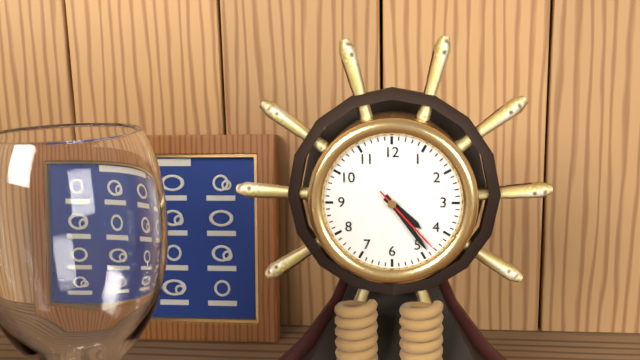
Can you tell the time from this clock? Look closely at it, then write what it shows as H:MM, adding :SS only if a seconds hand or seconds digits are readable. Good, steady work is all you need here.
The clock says 4:24:23
